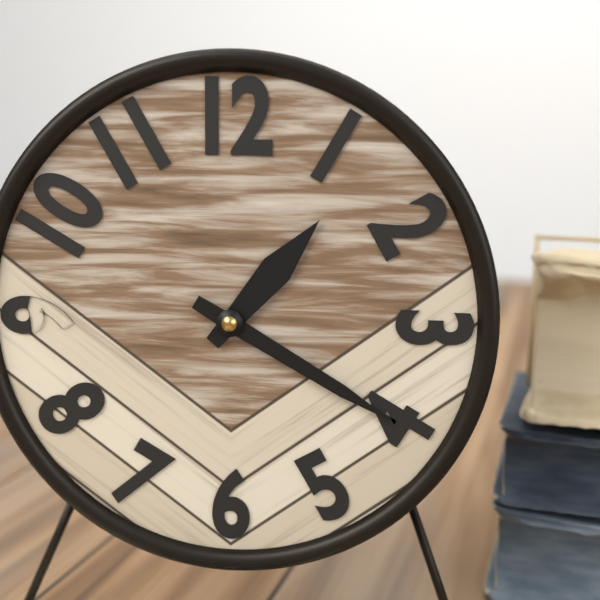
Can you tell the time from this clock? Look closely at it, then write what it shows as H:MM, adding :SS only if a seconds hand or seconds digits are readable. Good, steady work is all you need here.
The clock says 1:20
